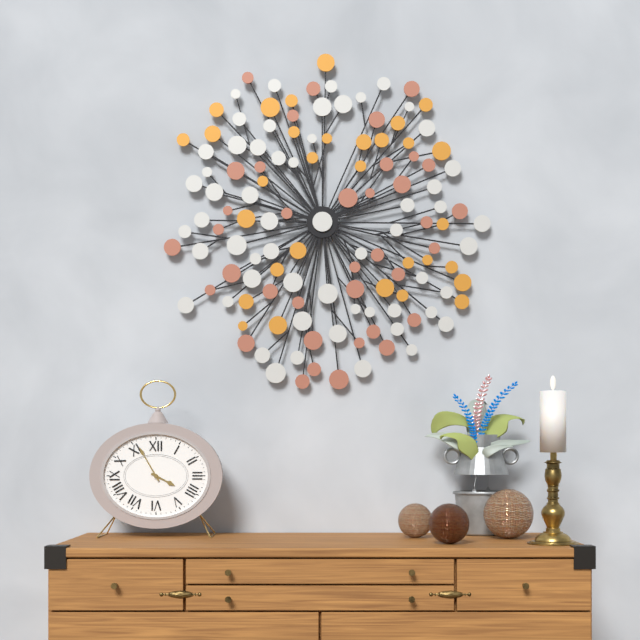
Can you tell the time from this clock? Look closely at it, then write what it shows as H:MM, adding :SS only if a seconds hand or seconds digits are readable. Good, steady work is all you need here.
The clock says 3:55
